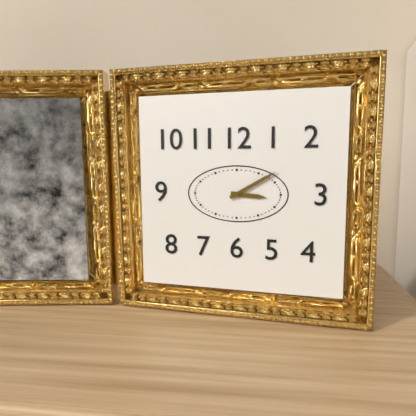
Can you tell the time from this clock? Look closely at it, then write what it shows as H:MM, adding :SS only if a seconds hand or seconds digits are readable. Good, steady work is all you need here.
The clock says 3:10
